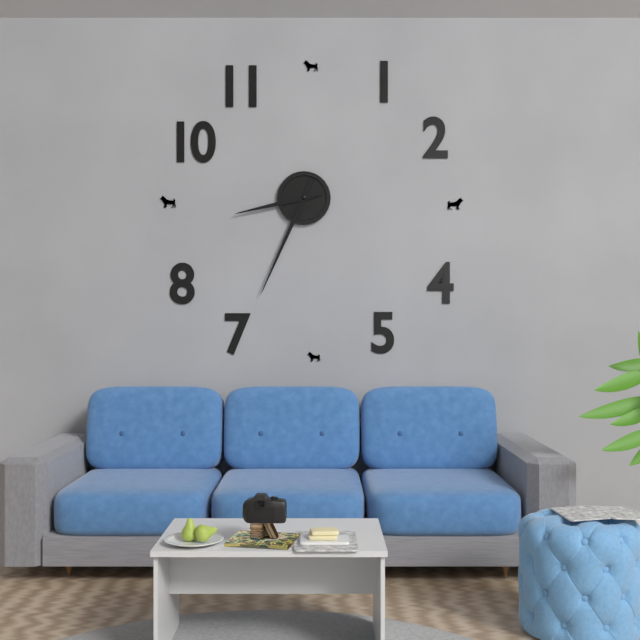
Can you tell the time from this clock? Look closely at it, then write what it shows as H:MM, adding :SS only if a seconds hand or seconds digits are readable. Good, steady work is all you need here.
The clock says 8:34
